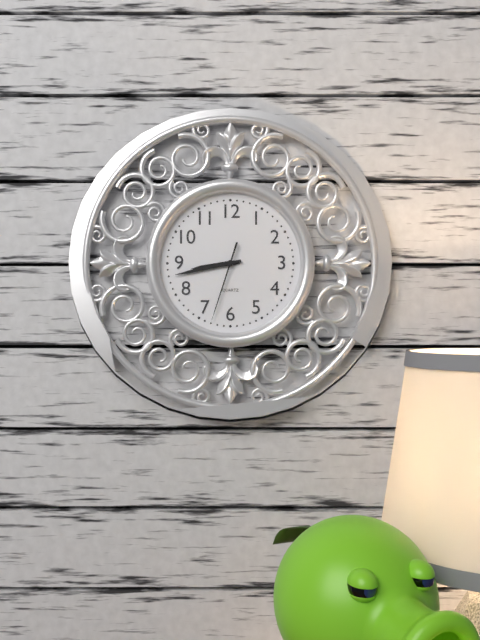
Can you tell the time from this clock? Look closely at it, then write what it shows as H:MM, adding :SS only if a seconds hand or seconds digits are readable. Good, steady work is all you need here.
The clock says 8:43:33
